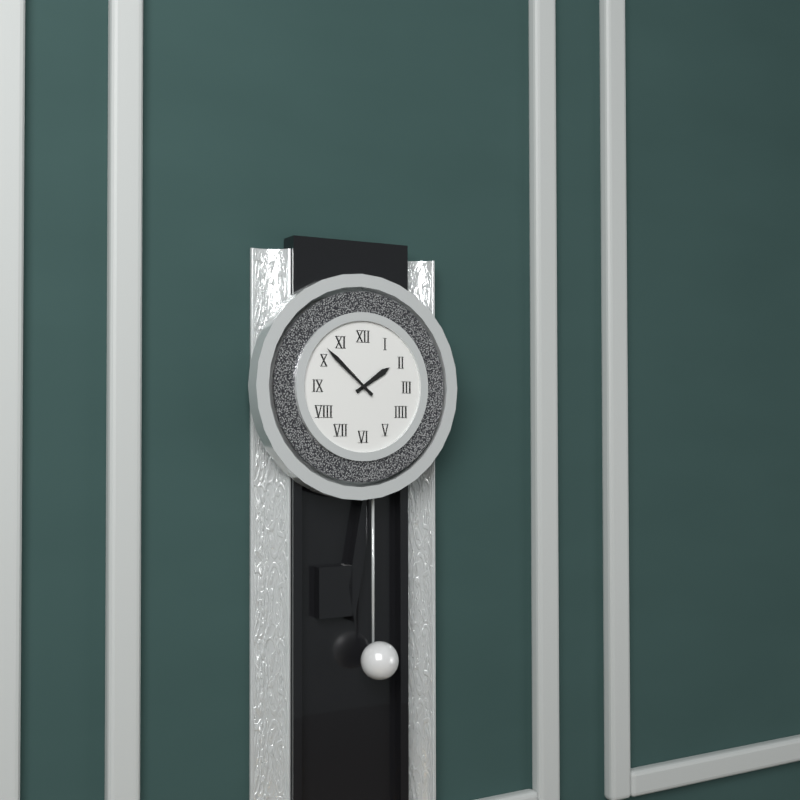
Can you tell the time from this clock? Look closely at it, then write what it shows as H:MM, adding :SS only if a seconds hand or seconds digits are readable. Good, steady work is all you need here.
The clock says 1:52
